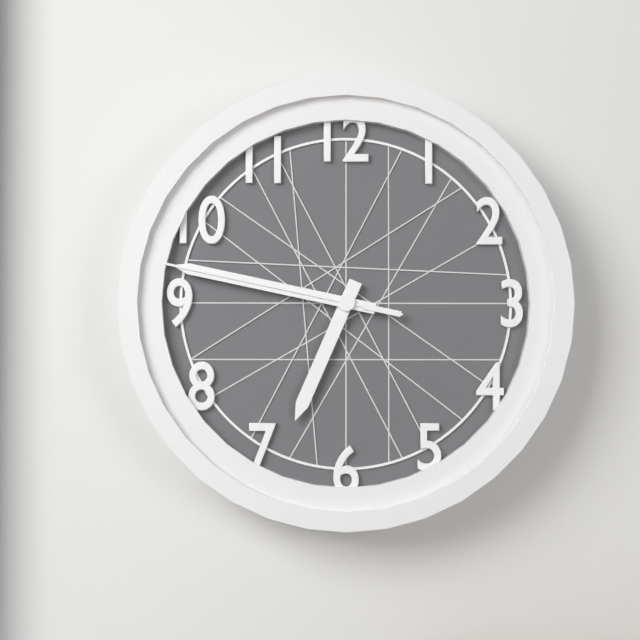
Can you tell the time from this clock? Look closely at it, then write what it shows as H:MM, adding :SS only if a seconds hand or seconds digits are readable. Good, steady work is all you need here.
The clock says 6:47:47
